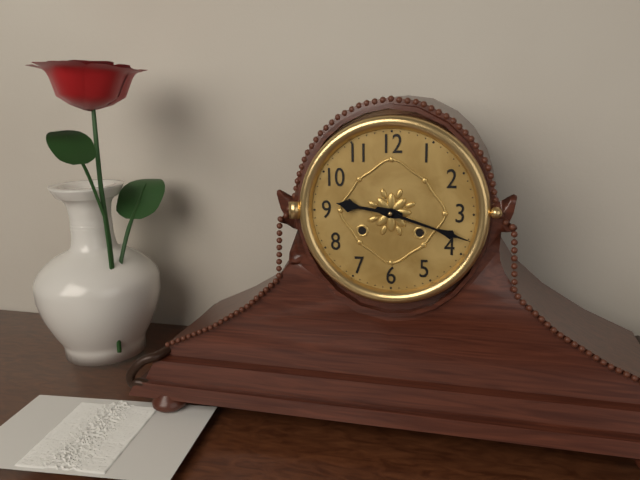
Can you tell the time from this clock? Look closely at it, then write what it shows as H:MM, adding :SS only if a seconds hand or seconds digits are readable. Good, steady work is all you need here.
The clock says 9:18
